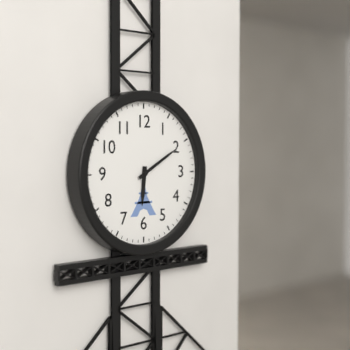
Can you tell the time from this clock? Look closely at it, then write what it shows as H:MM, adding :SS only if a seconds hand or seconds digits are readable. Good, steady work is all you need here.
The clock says 6:10
